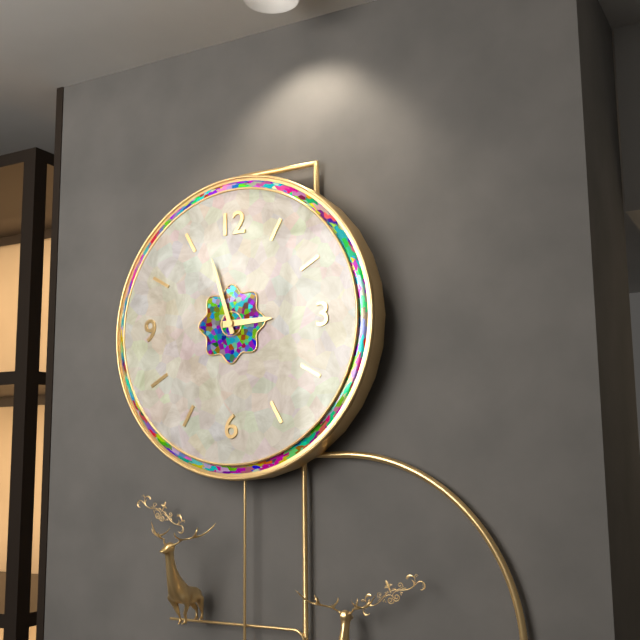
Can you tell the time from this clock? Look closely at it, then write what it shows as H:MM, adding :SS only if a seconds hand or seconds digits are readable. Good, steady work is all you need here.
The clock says 2:57
